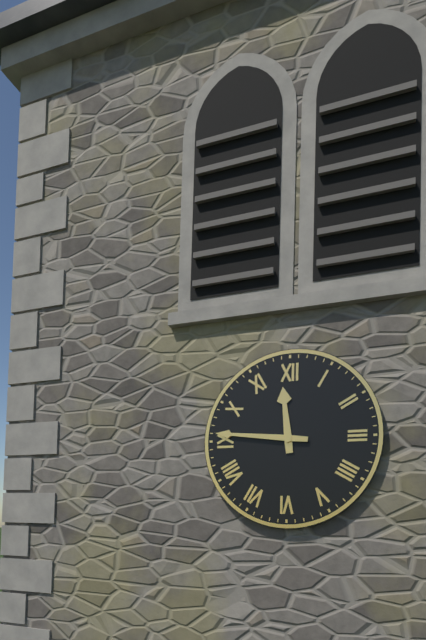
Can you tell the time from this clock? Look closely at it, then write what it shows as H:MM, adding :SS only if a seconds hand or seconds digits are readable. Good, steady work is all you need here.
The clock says 11:46
